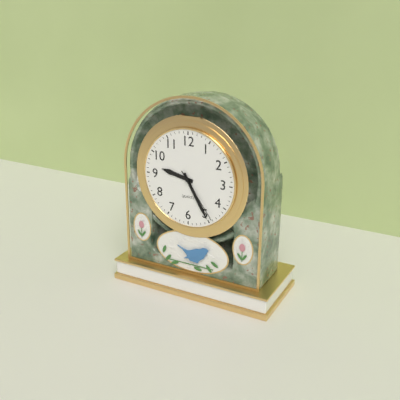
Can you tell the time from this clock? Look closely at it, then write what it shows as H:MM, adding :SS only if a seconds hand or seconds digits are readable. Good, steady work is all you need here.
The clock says 9:25:24
